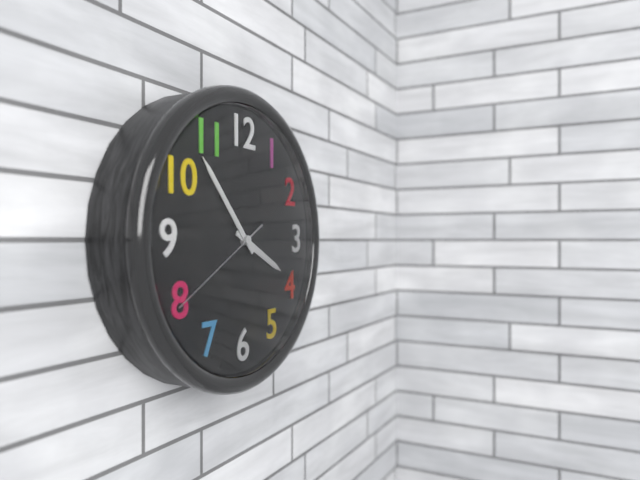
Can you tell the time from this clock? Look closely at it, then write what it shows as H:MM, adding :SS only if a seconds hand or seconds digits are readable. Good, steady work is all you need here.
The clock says 3:53:40
